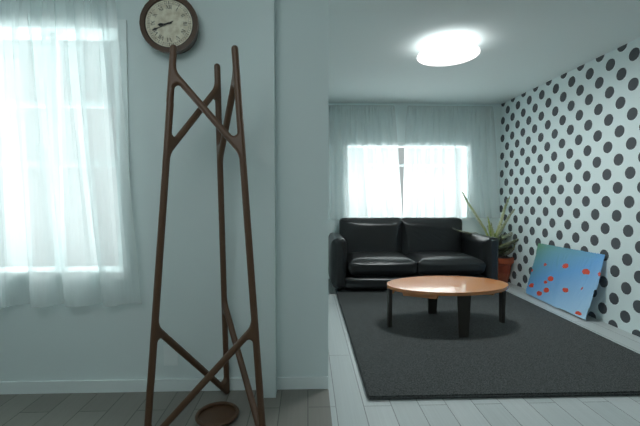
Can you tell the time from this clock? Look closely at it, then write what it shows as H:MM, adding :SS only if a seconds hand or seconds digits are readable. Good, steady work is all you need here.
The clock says 8:41
